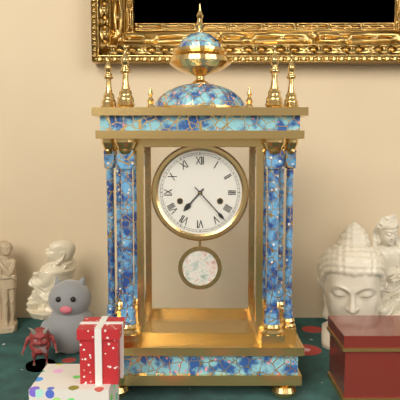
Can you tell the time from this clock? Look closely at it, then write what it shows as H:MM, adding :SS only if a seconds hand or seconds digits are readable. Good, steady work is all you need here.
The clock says 7:23
